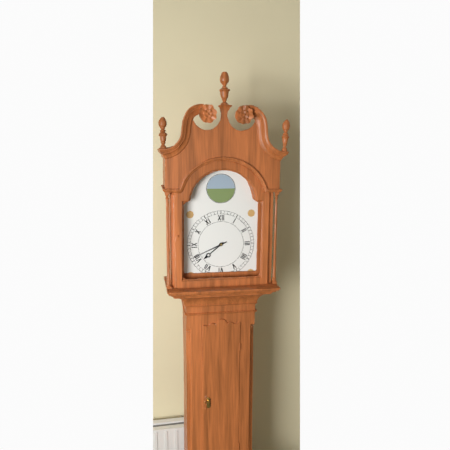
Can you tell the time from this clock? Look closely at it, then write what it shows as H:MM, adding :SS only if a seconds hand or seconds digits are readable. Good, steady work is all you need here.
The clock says 7:41
